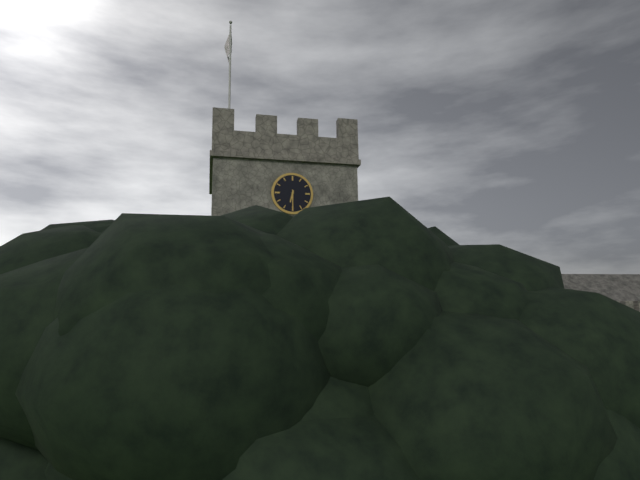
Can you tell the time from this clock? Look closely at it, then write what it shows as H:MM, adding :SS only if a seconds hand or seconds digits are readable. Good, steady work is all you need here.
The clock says 6:30
